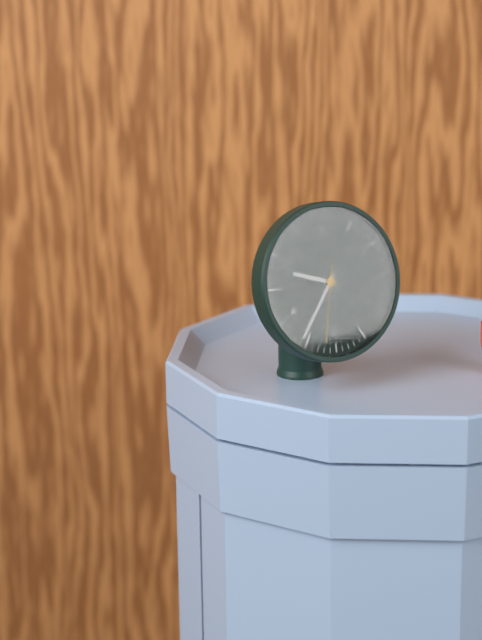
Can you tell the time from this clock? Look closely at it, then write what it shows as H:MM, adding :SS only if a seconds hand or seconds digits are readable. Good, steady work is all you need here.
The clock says 9:36:32
